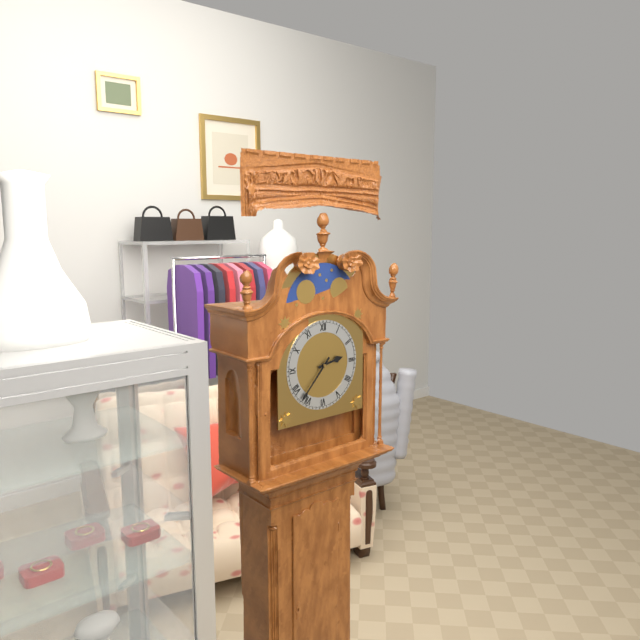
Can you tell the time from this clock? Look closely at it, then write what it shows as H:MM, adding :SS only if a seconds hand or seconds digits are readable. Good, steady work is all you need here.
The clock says 2:37
